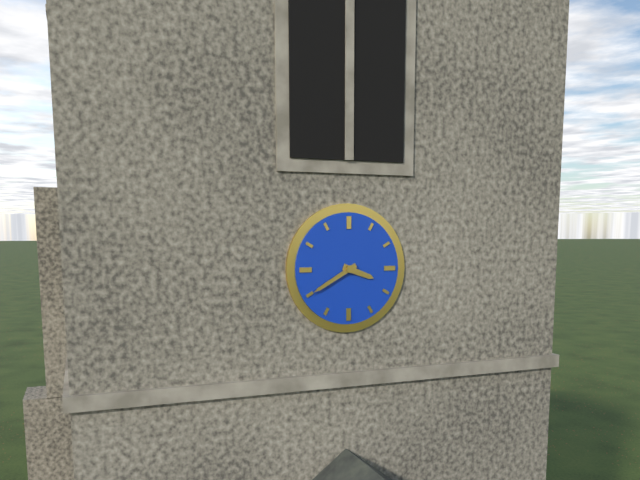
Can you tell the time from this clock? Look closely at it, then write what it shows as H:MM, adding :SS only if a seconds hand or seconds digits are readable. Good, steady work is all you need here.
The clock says 3:40
